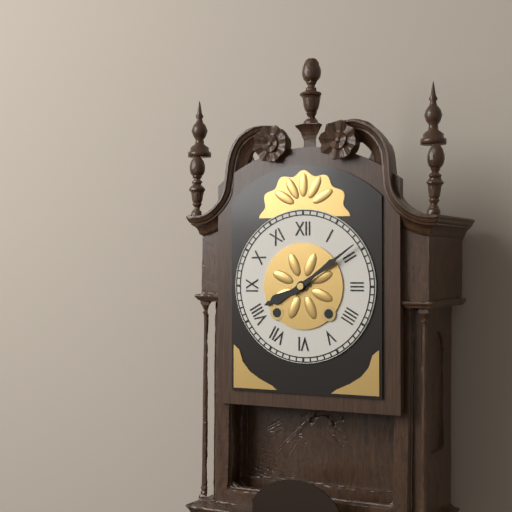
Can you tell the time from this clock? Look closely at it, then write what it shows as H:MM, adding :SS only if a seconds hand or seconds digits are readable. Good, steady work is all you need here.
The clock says 8:09
